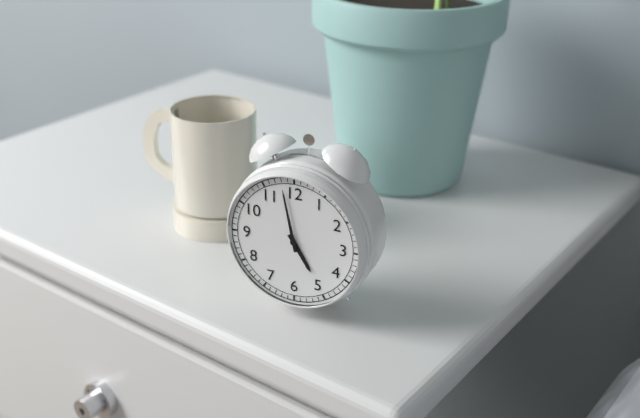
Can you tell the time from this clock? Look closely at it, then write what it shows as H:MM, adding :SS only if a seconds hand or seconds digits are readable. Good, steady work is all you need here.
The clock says 4:58
